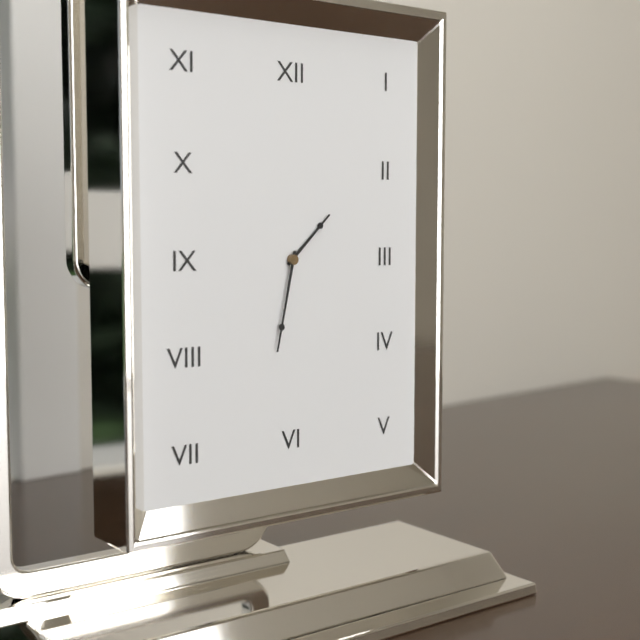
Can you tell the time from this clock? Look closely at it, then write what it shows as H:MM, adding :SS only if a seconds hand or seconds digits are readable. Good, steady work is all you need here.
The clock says 1:32
